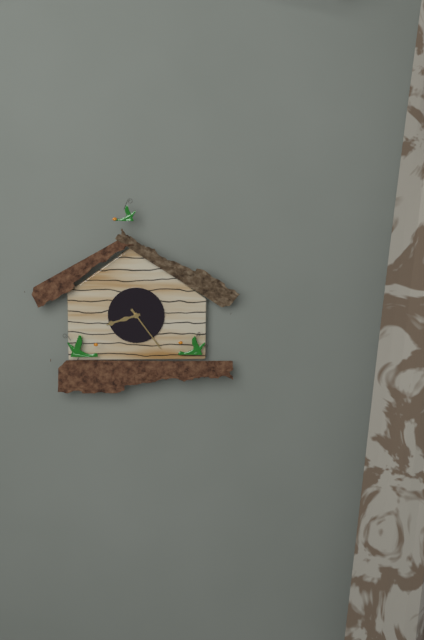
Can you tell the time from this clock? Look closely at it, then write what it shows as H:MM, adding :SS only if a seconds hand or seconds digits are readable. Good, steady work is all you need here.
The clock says 8:24
